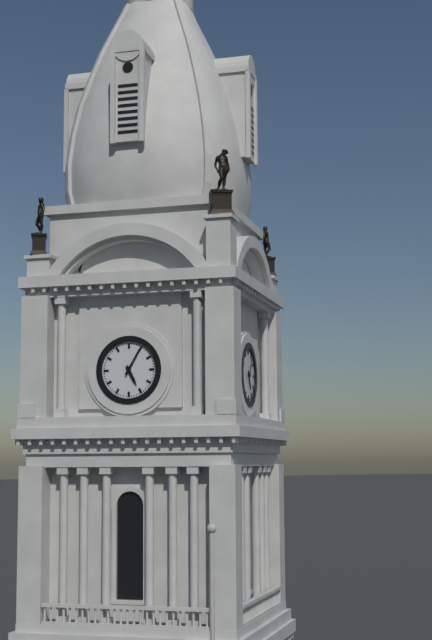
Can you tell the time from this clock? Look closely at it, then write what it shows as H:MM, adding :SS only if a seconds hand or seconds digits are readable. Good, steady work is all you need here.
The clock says 5:05
